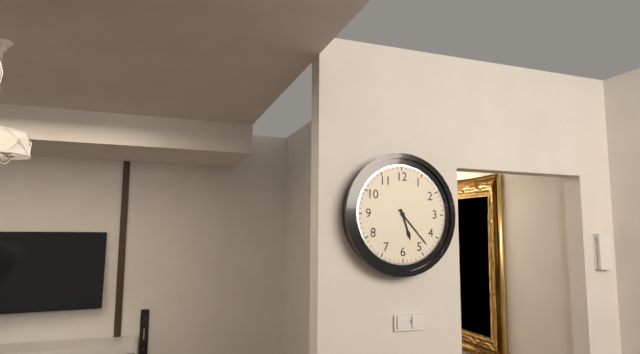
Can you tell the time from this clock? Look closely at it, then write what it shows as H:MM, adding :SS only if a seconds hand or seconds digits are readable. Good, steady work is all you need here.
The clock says 5:23
